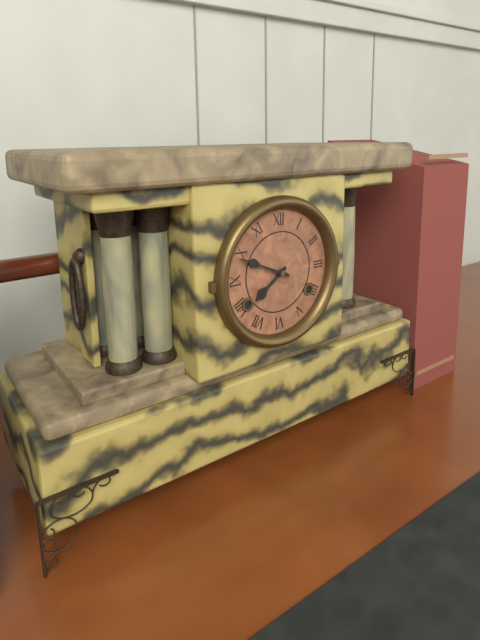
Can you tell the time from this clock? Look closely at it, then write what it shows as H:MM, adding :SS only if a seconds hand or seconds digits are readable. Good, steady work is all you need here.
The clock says 7:49
